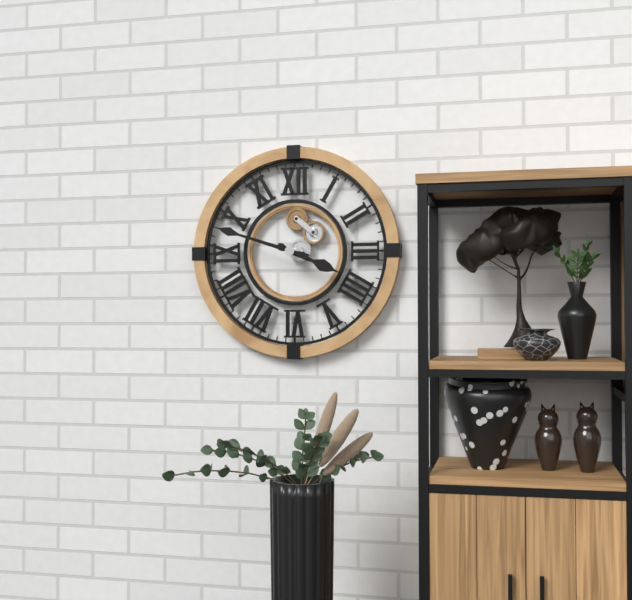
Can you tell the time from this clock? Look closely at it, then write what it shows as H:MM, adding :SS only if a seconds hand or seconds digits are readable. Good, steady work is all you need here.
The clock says 3:48
